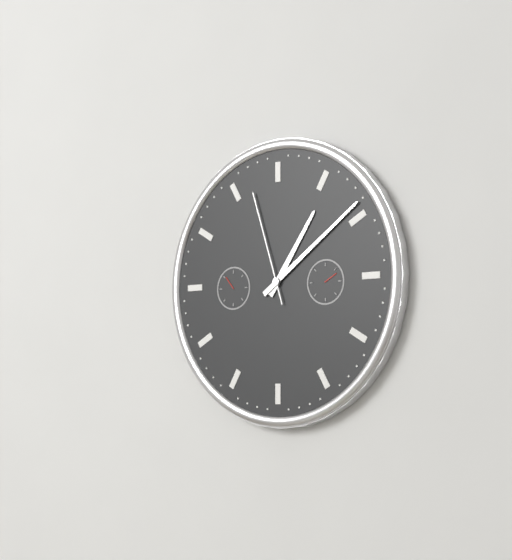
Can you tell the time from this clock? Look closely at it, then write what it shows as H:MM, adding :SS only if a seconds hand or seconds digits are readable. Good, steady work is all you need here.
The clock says 1:09:57
